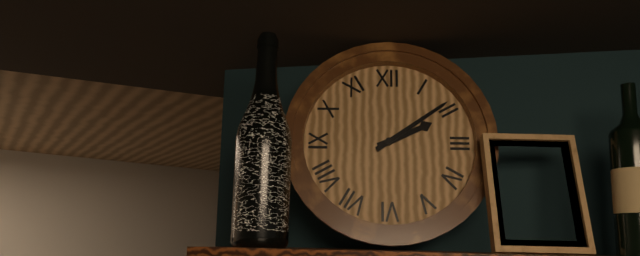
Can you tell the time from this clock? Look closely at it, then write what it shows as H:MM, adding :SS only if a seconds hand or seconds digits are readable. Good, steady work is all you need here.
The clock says 2:09
